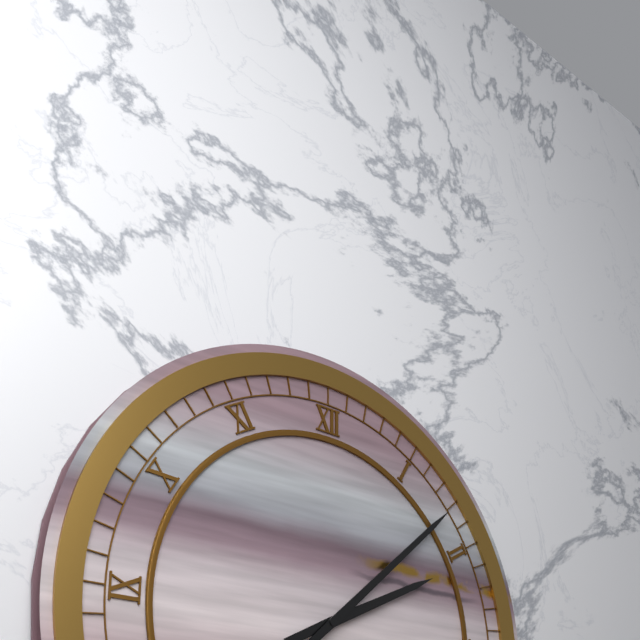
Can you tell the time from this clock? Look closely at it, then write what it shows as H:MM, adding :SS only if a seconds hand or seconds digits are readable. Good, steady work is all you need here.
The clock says 2:08
